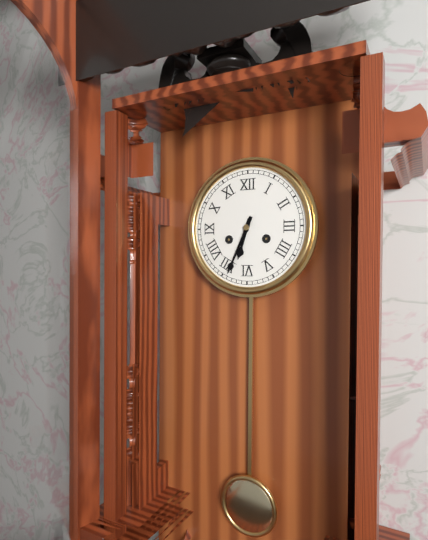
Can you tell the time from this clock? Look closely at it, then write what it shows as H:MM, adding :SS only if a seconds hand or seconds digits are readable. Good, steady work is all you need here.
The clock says 6:34
